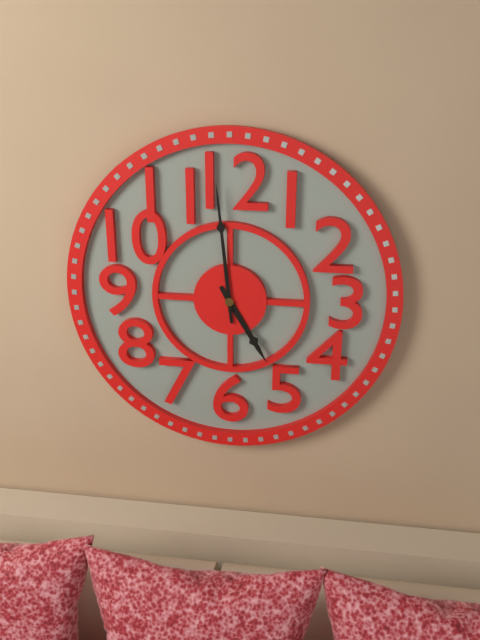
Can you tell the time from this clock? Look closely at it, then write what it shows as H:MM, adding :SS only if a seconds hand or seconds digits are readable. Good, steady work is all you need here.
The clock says 4:59
